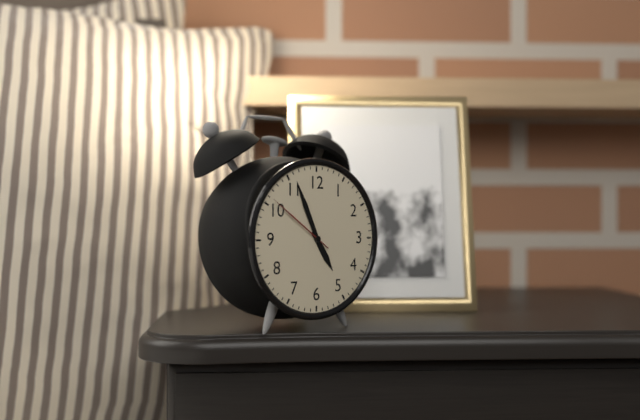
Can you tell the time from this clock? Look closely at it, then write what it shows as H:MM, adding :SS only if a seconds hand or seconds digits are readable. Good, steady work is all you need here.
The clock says 4:56:51
